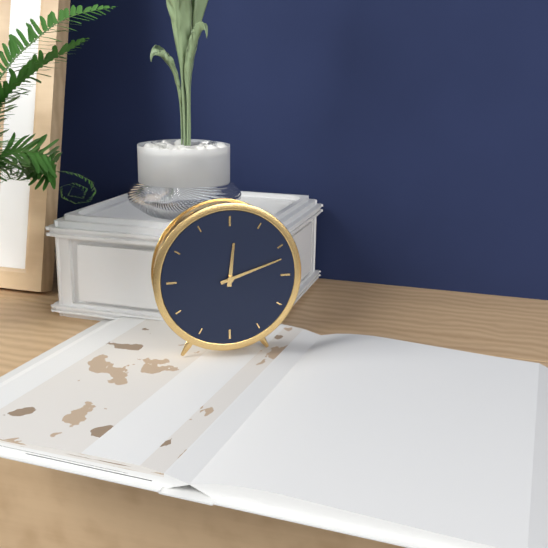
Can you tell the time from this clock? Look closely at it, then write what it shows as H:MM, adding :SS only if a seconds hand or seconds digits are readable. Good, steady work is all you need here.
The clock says 12:12
